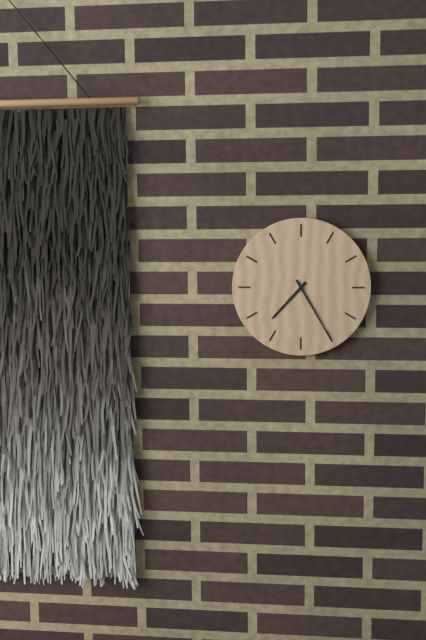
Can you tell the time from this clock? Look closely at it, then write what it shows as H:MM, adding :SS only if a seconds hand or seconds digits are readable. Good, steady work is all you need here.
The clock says 7:25
